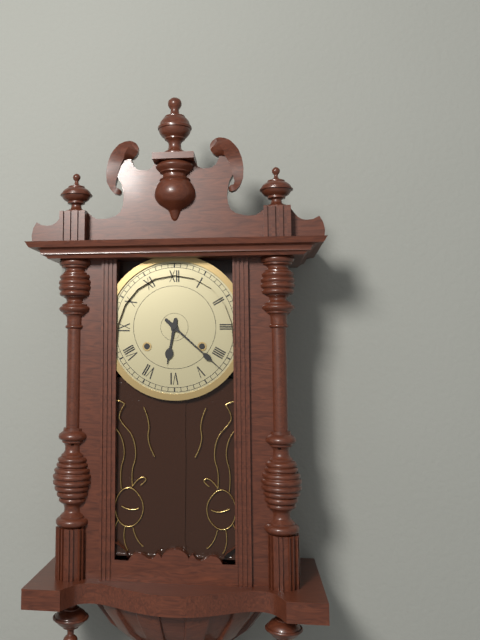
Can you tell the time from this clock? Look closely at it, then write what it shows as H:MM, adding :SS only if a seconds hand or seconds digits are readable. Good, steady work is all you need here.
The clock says 6:22
